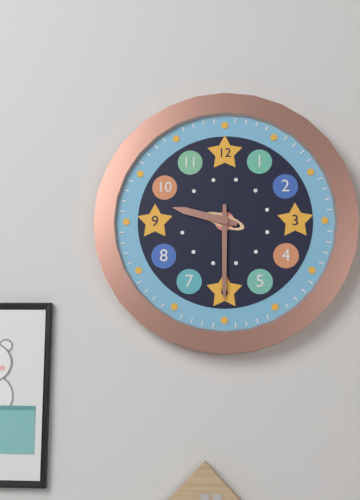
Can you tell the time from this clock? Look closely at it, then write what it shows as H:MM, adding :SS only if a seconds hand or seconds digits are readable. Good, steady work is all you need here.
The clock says 9:30
